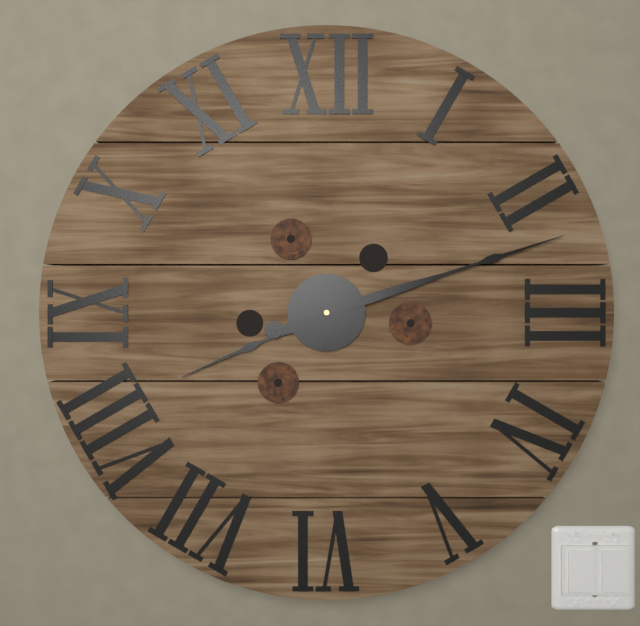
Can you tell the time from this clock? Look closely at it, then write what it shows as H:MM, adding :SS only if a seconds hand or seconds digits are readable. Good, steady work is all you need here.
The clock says 8:12
